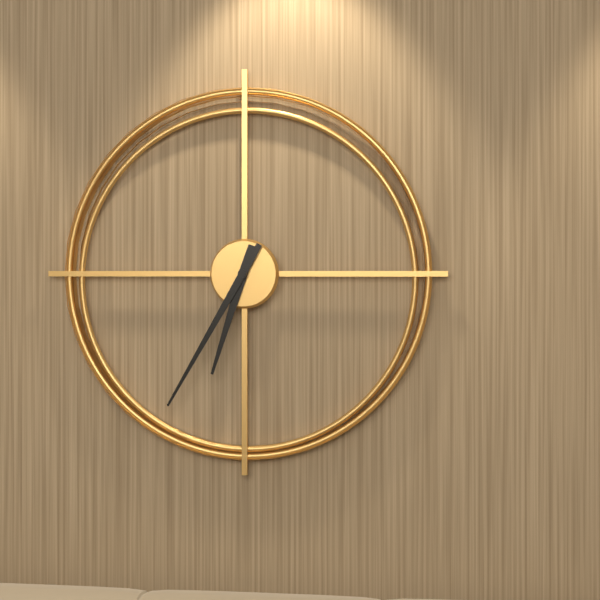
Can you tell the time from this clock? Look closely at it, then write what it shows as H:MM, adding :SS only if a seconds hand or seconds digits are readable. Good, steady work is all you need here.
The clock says 6:35
